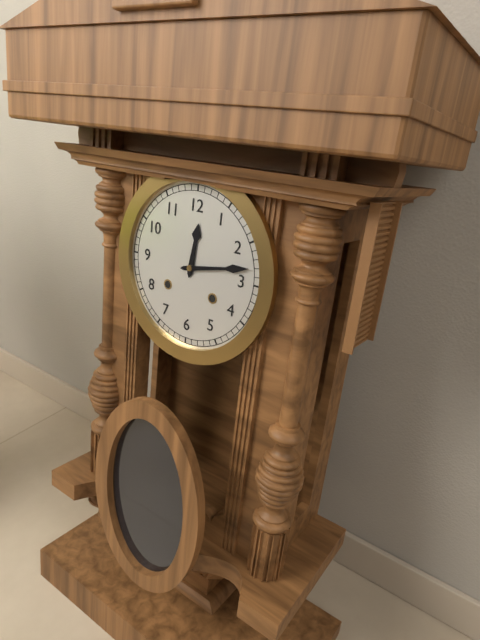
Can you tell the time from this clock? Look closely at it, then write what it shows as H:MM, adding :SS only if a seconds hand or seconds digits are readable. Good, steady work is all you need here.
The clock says 12:13
